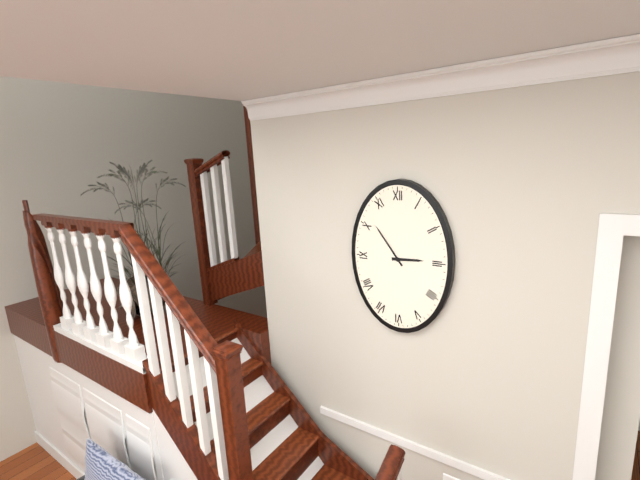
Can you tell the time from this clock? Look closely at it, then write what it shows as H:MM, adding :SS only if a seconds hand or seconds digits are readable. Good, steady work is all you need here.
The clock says 2:54
